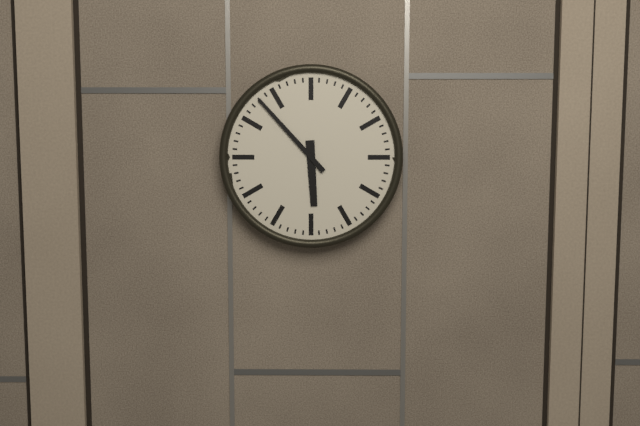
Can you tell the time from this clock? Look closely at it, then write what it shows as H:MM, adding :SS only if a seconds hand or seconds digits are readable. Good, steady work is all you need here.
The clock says 5:53
